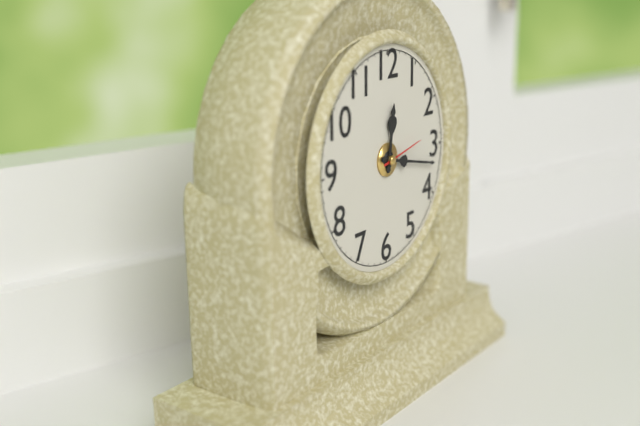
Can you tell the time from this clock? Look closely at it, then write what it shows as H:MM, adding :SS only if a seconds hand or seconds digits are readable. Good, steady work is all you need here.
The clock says 12:17
